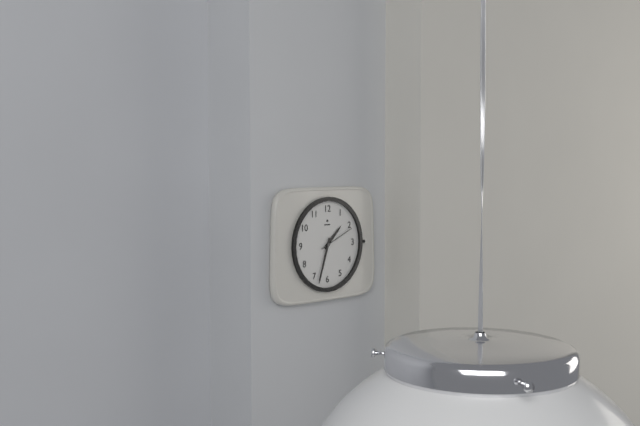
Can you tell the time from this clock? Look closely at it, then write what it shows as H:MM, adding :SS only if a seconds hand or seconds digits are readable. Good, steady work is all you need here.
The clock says 1:33
